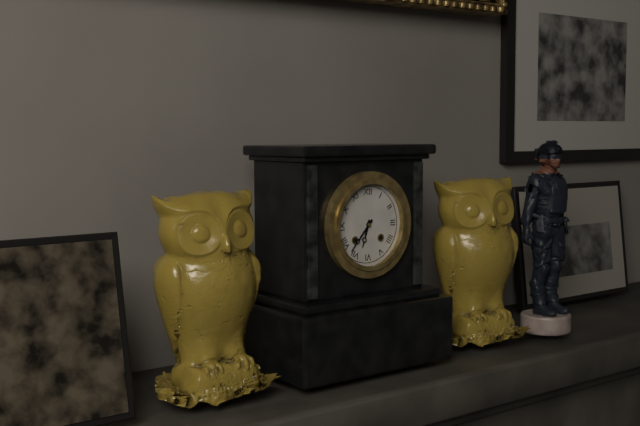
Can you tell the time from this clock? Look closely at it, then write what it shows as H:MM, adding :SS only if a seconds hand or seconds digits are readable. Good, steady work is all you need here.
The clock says 6:37
